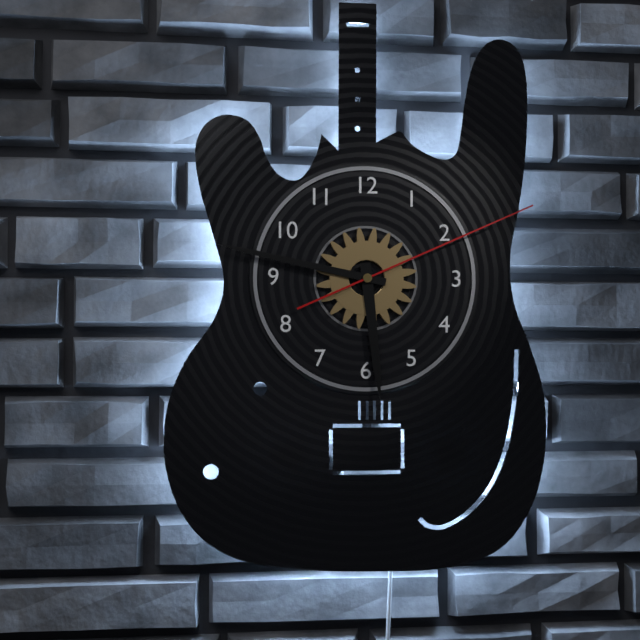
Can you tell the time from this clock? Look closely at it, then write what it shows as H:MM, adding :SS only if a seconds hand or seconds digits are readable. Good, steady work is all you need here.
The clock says 5:47:11
